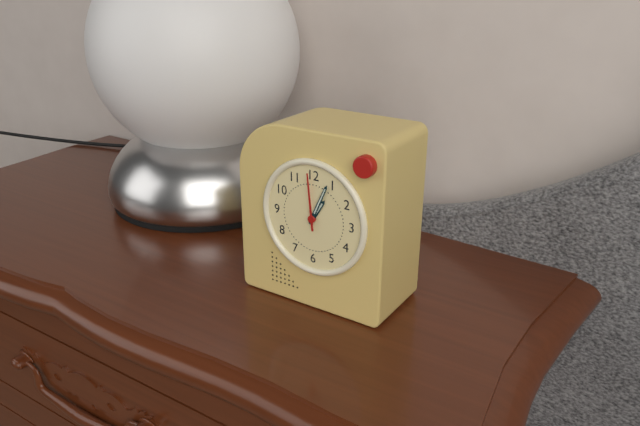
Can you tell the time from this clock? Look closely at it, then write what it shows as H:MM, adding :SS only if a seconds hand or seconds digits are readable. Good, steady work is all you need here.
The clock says 1:04:59
